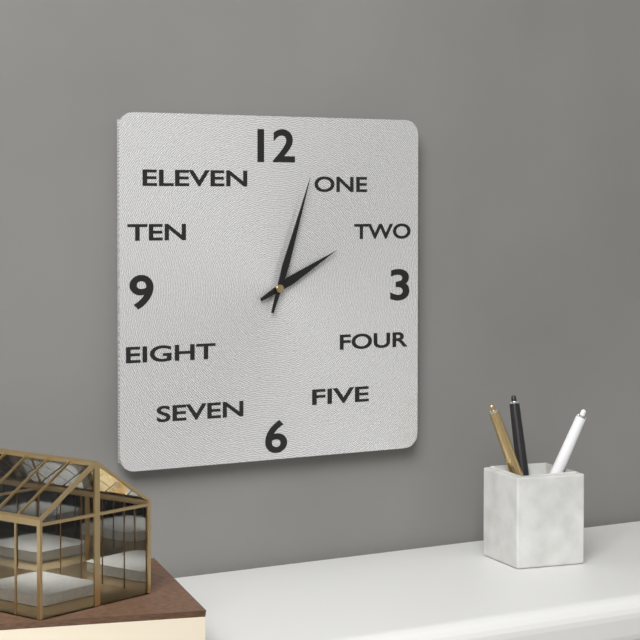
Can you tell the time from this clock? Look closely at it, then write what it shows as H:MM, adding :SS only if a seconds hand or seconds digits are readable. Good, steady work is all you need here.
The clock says 2:03
